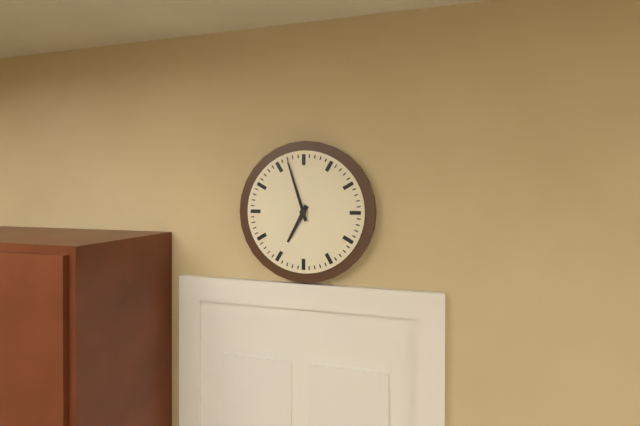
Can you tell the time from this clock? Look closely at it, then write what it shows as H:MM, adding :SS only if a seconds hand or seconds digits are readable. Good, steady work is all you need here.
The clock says 6:57
